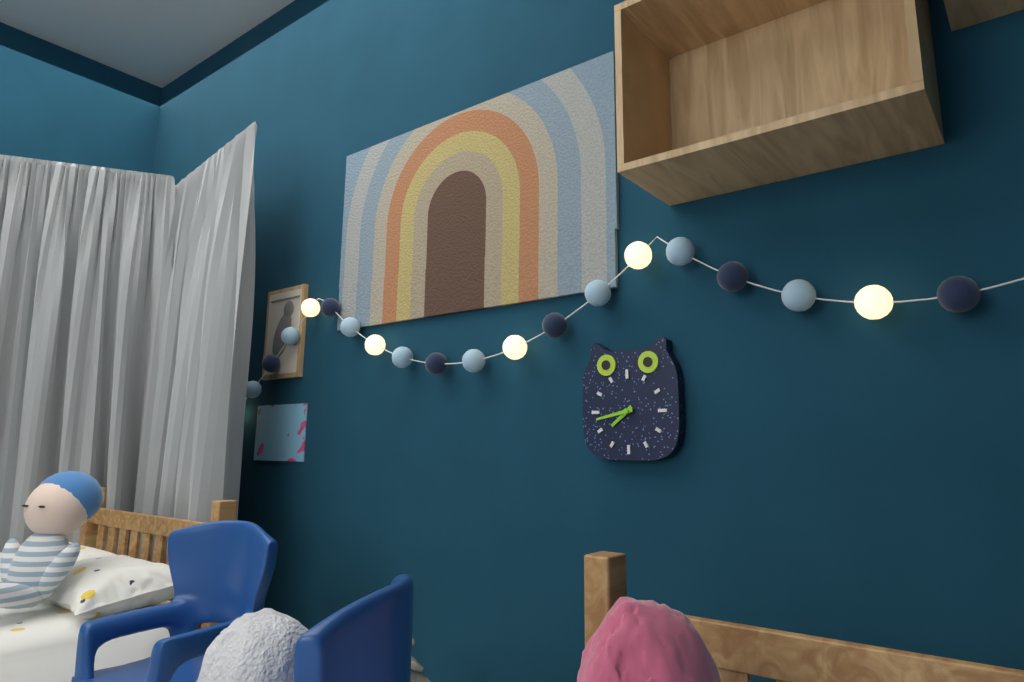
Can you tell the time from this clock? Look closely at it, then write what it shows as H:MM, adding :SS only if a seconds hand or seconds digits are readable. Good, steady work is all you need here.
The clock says 7:43
